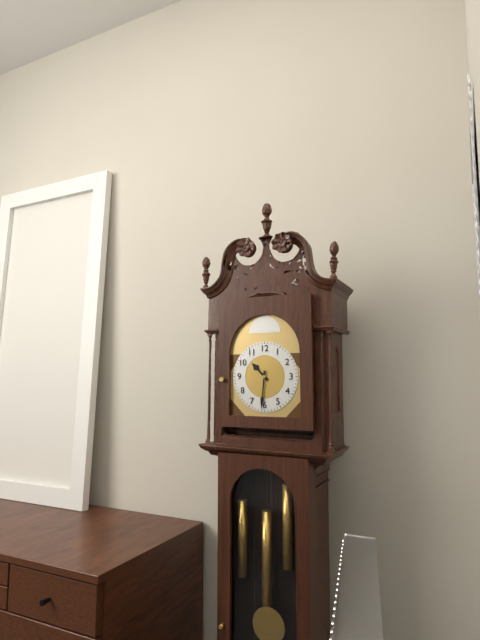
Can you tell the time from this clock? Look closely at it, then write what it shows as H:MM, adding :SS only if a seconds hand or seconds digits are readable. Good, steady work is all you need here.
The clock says 10:31
